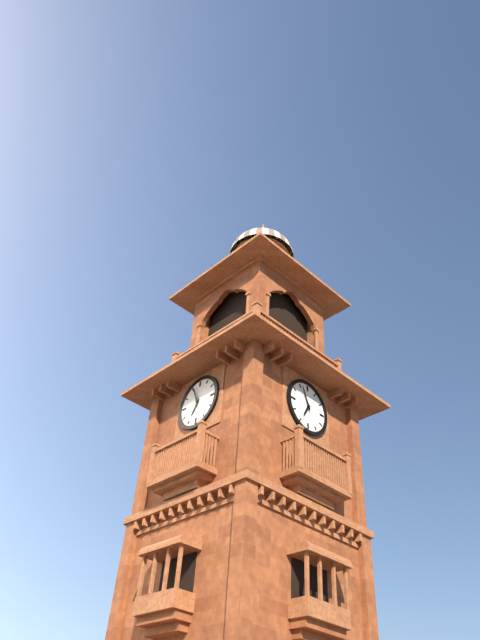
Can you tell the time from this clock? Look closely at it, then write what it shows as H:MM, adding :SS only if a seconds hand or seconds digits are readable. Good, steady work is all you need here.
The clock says 6:56
